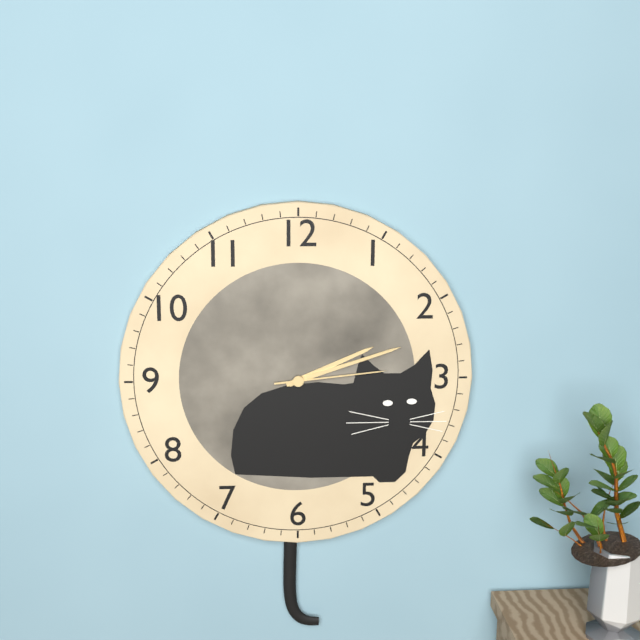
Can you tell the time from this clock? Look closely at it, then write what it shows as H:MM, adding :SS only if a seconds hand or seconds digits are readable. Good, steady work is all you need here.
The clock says 2:12:14
